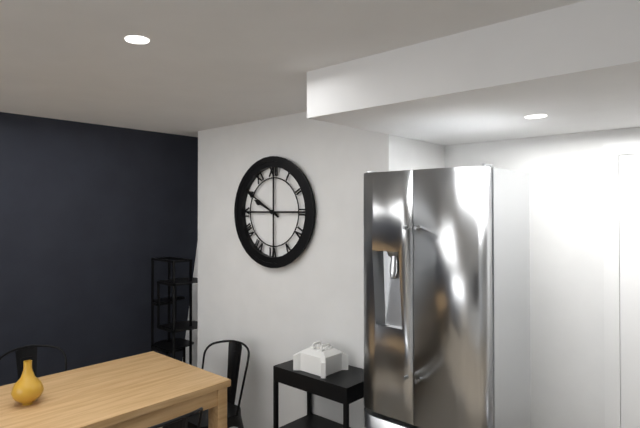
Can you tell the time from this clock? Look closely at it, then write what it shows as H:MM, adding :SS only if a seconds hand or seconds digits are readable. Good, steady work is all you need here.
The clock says 9:50
